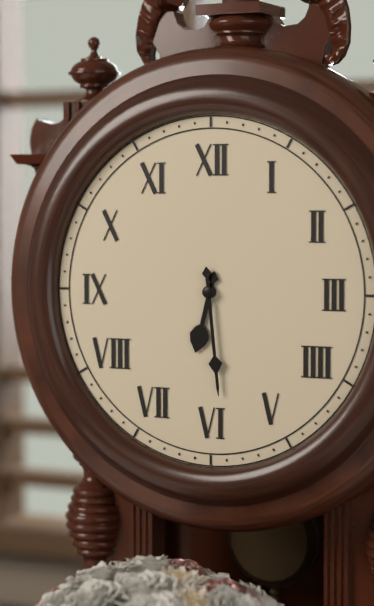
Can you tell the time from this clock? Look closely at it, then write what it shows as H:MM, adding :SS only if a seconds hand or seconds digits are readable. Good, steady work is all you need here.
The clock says 6:29
